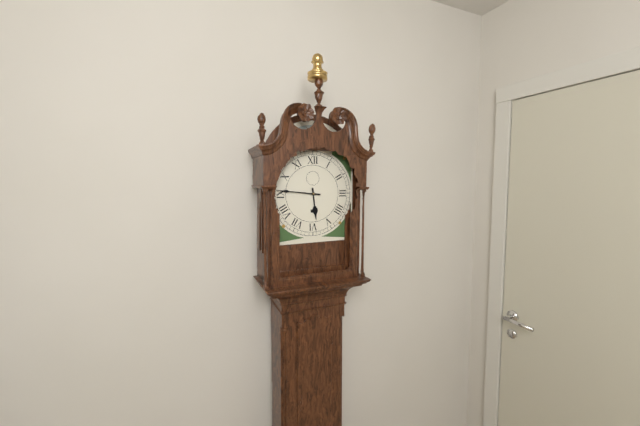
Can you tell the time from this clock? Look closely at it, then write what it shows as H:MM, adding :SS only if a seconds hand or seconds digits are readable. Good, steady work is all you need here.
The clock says 5:46
